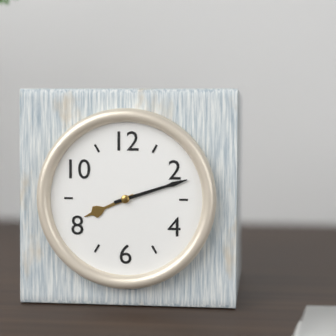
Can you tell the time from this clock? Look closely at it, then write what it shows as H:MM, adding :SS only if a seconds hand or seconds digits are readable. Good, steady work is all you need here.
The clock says 8:12
